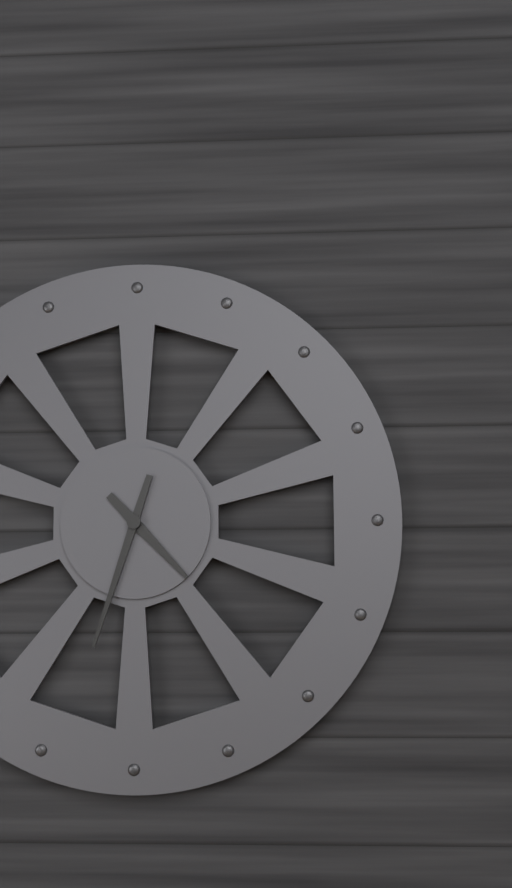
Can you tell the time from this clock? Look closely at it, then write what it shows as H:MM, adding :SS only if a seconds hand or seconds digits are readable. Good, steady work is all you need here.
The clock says 4:33
